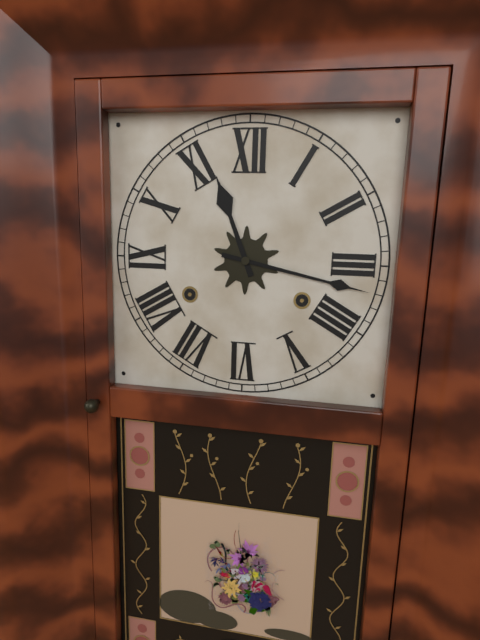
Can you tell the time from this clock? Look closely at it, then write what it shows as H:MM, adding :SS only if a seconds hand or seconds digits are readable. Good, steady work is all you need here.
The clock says 11:17
